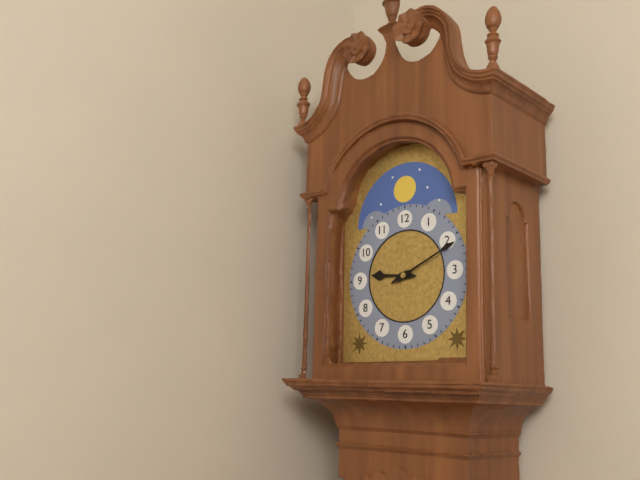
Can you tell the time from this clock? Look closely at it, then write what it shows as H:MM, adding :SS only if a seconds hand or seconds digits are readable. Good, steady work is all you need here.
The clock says 9:11
